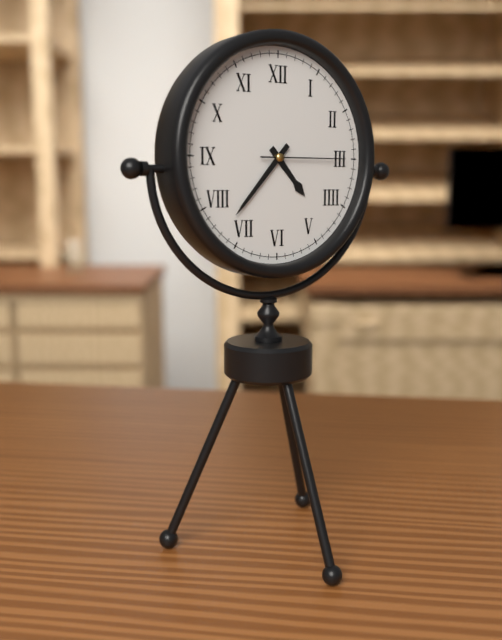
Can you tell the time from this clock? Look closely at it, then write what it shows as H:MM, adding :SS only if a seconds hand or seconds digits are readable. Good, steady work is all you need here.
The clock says 4:37:15
